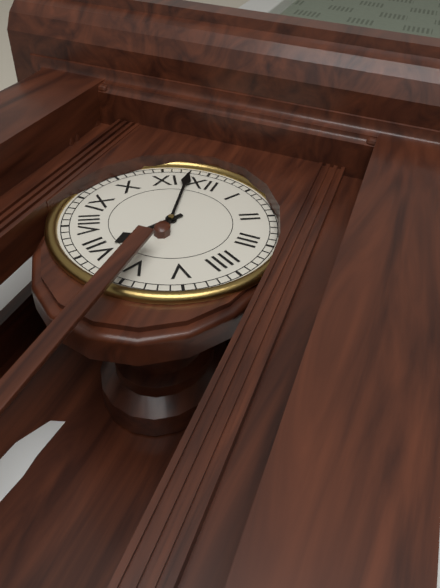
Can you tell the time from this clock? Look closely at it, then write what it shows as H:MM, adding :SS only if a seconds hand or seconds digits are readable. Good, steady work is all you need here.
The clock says 6:58
